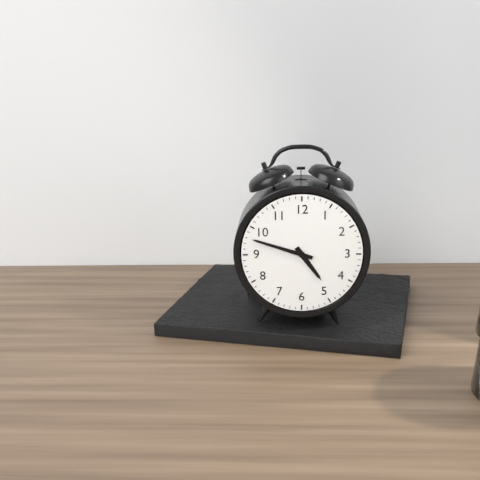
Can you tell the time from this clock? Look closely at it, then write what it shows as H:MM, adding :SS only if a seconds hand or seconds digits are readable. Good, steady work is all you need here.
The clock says 4:48
